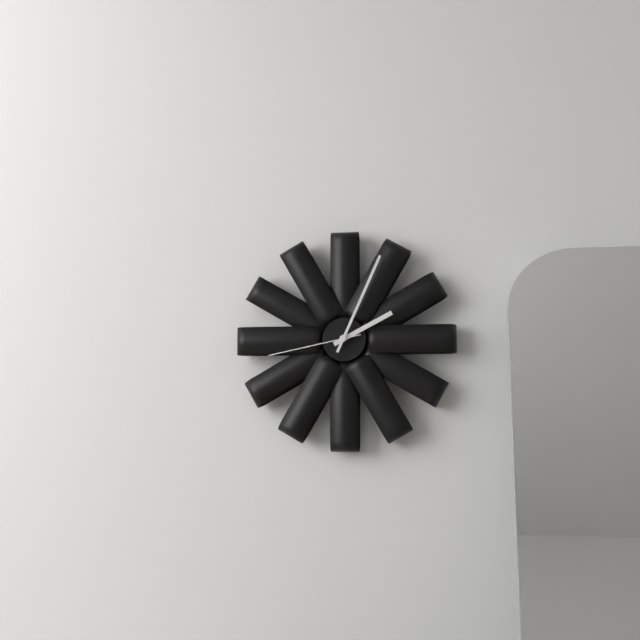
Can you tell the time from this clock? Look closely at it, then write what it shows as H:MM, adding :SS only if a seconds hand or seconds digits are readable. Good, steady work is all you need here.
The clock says 2:04:43
